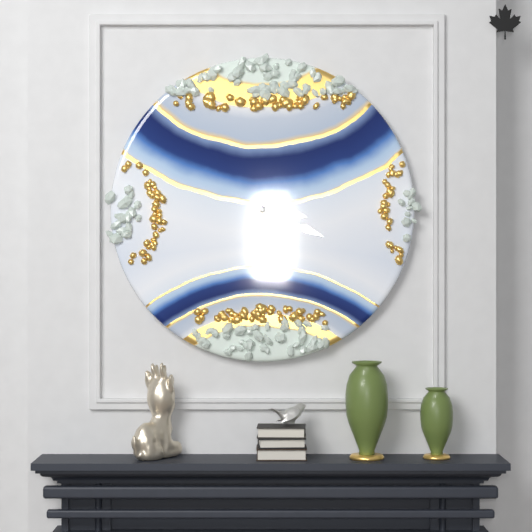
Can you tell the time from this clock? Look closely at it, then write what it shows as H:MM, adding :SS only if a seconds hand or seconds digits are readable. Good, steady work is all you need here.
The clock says 3:19
